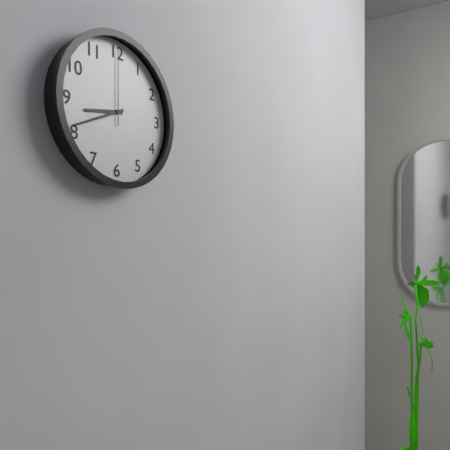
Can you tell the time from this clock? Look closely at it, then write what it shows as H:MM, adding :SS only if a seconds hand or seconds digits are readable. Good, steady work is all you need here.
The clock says 8:41:00
